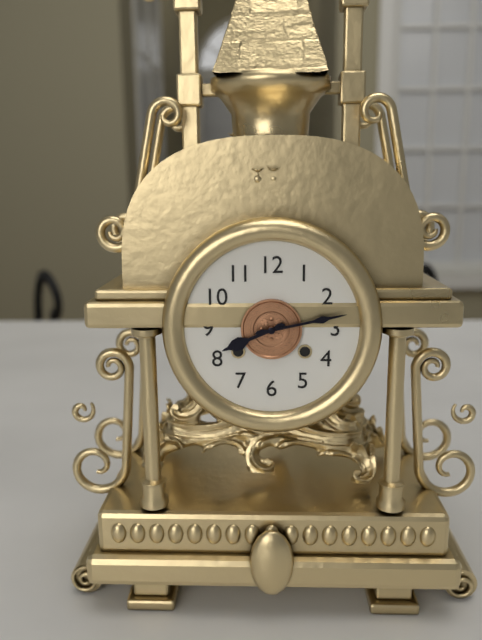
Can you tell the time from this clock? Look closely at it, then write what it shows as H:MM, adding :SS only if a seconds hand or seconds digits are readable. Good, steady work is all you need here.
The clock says 8:13
